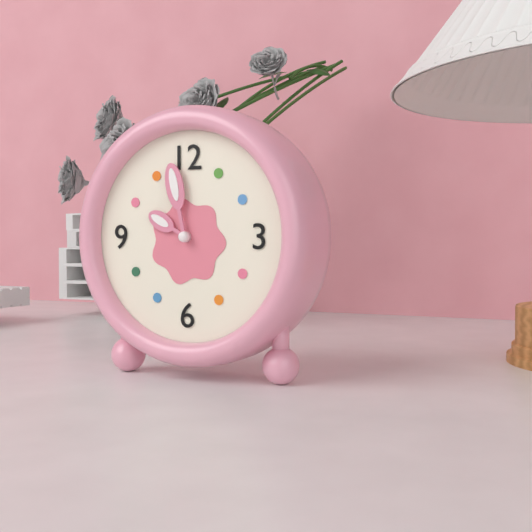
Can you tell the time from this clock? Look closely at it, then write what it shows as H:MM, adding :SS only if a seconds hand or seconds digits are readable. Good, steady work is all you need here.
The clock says 9:58
